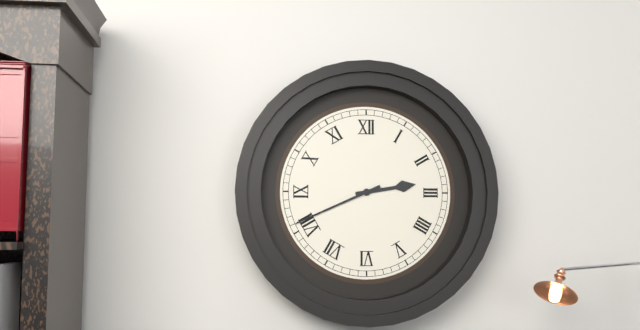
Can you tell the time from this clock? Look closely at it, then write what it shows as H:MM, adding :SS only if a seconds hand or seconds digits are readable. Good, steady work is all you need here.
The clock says 2:41
